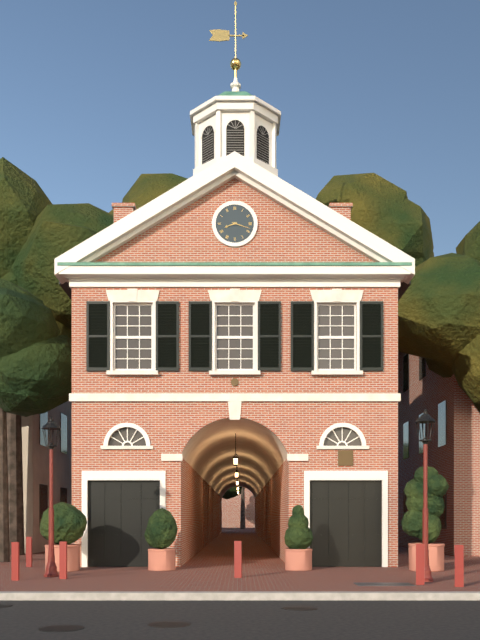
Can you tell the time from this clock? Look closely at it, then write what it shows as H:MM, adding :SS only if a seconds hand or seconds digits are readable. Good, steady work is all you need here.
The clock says 8:18
